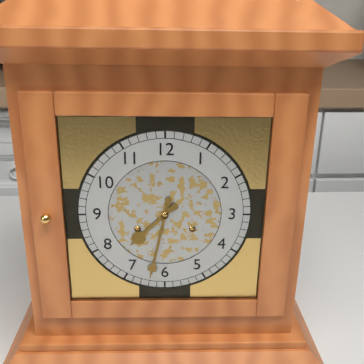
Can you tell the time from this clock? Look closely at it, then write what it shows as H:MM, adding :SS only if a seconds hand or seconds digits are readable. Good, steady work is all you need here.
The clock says 7:32
